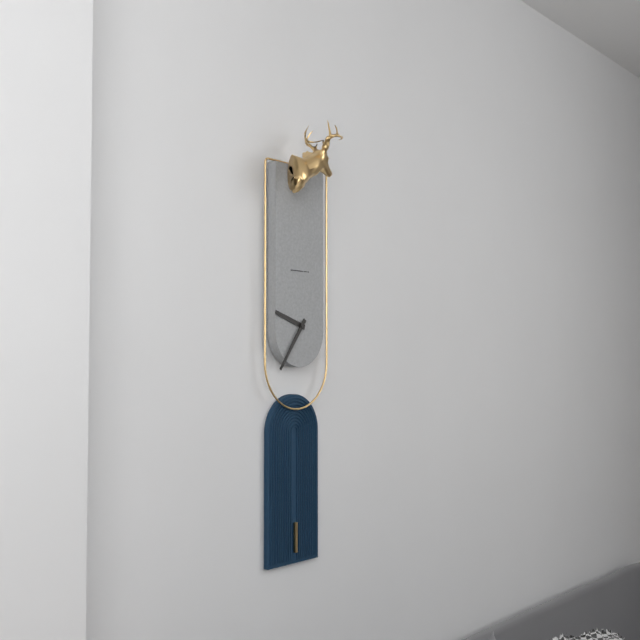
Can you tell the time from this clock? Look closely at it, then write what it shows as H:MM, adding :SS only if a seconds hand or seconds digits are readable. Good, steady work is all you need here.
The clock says 9:36
